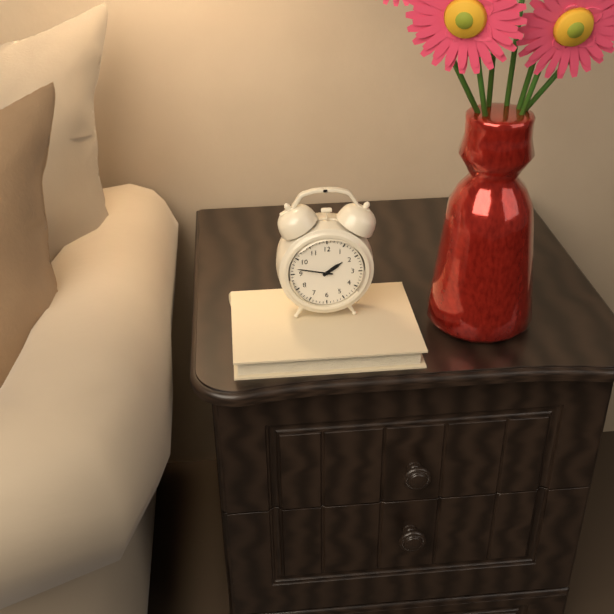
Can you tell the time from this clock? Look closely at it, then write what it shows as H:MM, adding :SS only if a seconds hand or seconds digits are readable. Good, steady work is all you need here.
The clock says 1:47
